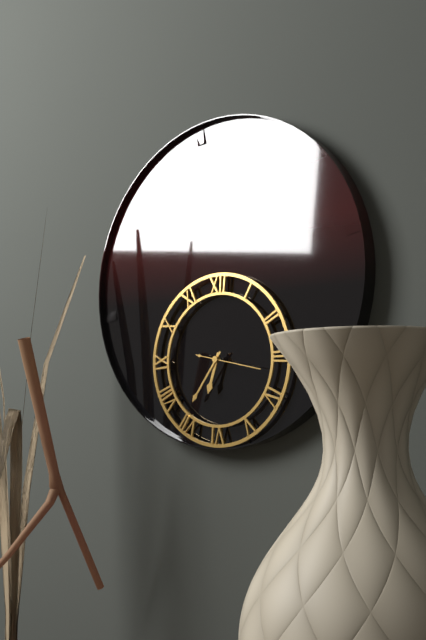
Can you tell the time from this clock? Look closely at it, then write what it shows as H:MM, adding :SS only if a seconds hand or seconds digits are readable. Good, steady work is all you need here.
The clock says 6:36:17
